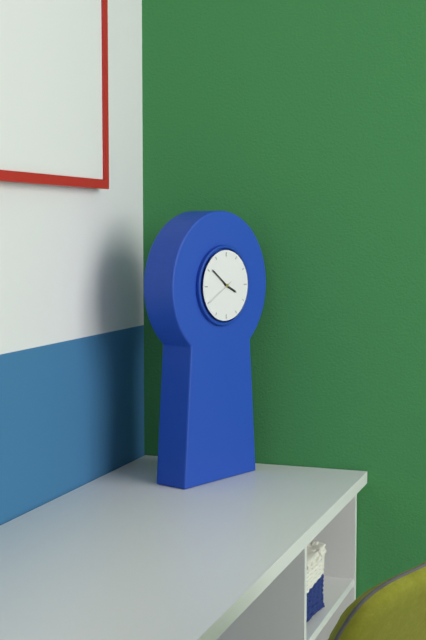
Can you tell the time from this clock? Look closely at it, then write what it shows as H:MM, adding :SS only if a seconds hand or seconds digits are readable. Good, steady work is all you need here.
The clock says 3:51
